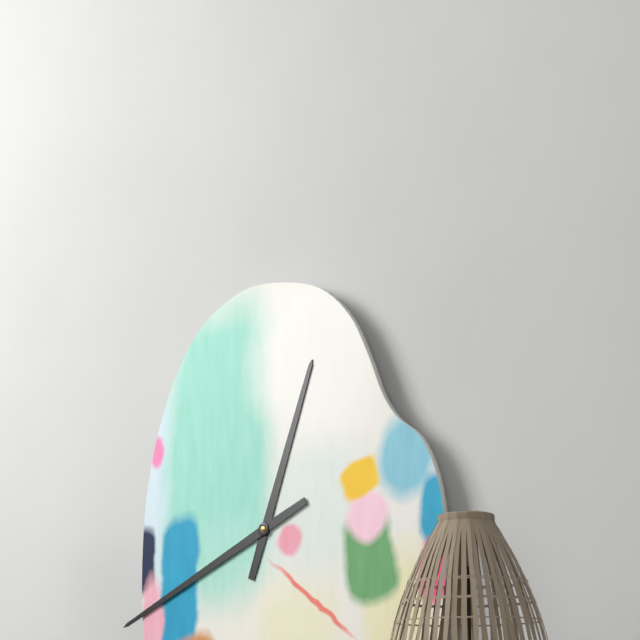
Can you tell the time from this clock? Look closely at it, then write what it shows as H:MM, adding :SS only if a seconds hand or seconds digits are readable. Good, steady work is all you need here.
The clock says 12:41
